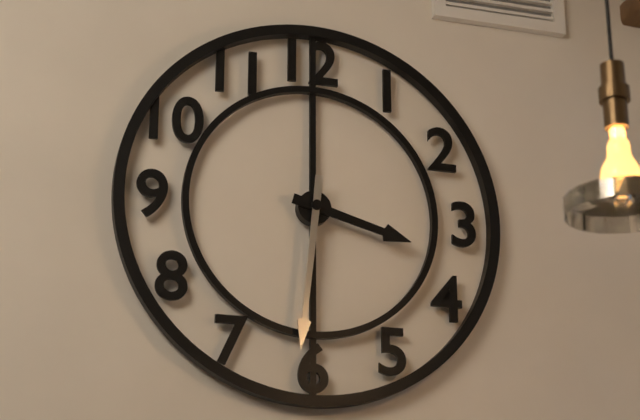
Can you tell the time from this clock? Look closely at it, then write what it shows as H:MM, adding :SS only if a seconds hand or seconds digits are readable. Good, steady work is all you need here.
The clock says 3:31
